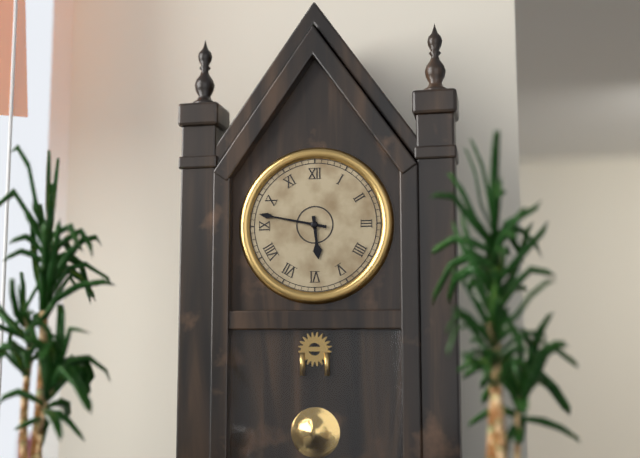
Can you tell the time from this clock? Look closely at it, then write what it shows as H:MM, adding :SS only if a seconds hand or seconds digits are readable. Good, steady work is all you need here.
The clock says 5:47
